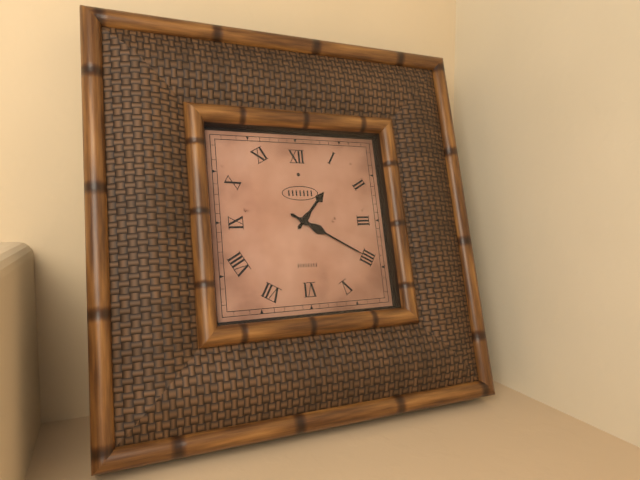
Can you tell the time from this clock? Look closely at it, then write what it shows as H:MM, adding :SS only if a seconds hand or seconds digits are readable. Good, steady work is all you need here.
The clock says 1:20
